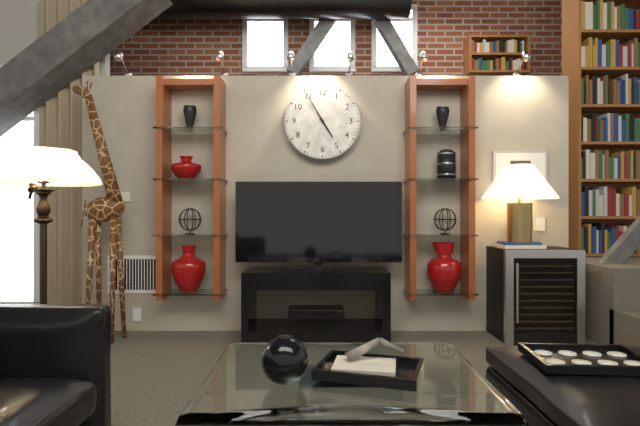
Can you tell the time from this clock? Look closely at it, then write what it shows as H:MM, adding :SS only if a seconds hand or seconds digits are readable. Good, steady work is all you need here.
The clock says 4:55
